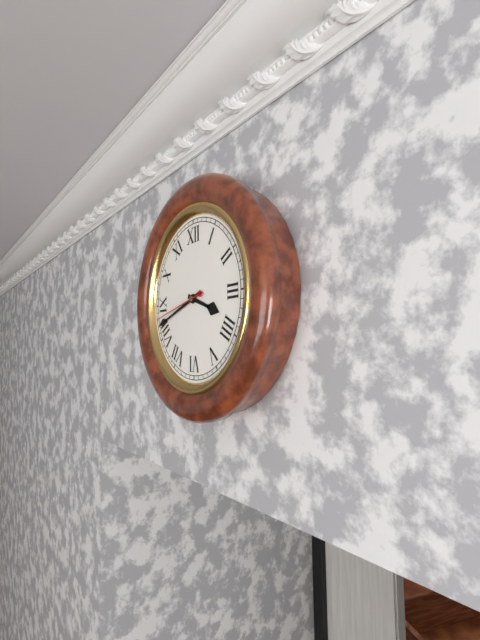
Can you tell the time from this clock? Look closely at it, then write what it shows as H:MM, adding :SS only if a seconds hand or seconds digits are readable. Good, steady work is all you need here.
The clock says 3:42:43
